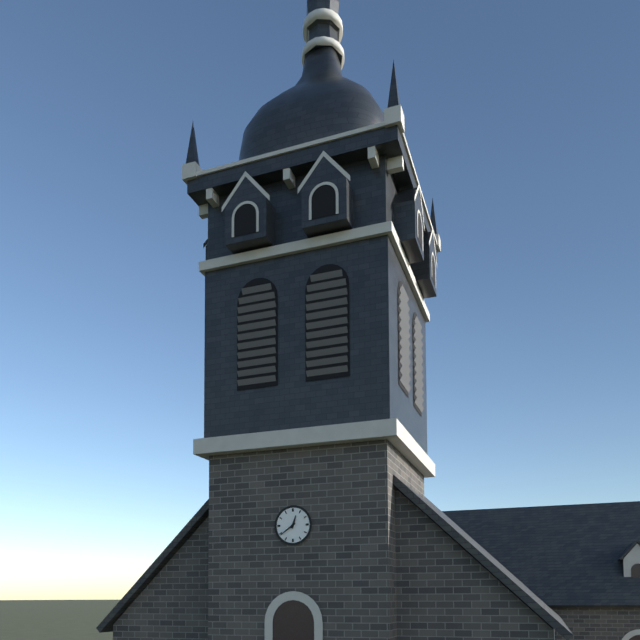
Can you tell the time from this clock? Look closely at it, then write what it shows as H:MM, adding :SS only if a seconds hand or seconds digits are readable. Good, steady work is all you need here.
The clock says 12:39
